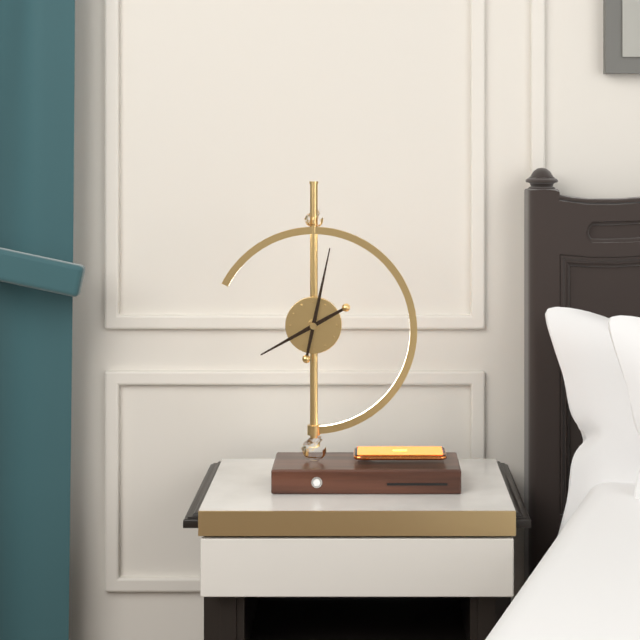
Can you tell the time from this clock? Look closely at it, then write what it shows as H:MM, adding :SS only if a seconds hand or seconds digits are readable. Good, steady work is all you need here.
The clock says 8:02
